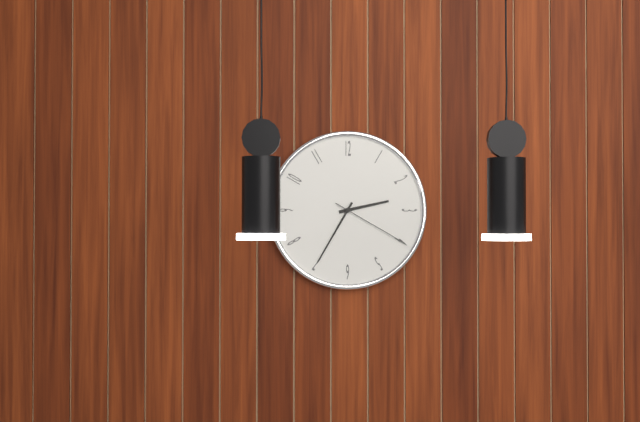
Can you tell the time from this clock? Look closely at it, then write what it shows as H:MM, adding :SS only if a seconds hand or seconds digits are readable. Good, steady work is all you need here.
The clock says 2:35:20
